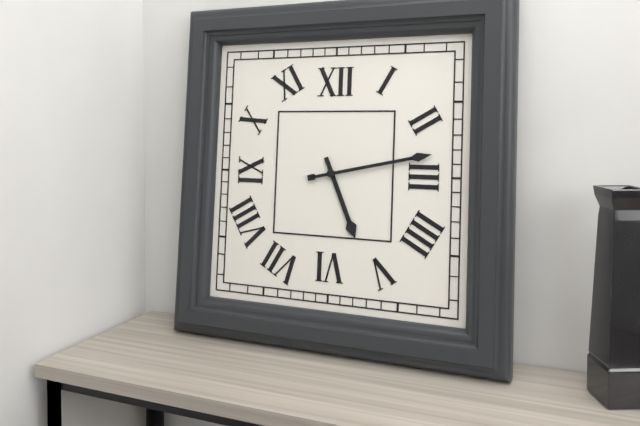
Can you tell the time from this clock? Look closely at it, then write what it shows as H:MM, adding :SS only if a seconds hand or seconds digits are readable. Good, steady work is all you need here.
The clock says 5:13
